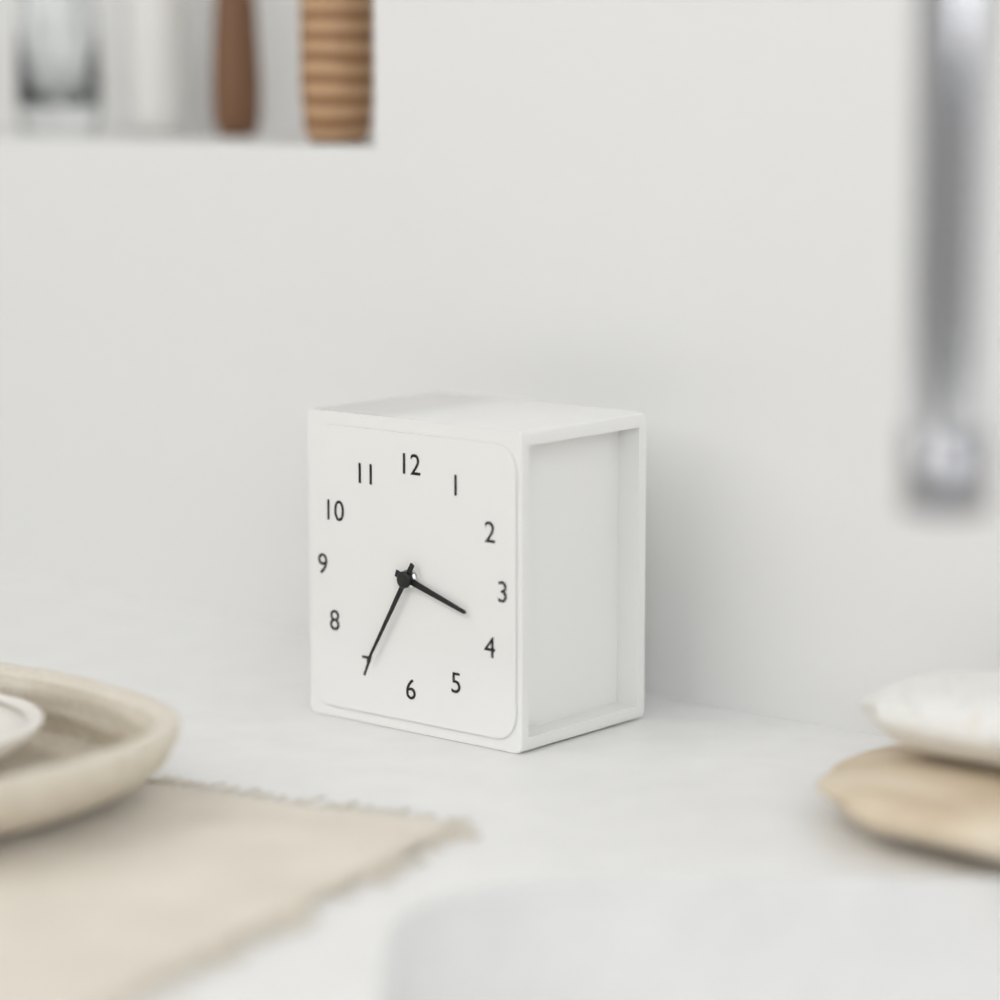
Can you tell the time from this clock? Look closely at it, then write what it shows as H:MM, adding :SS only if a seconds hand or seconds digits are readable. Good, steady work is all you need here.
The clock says 3:35
